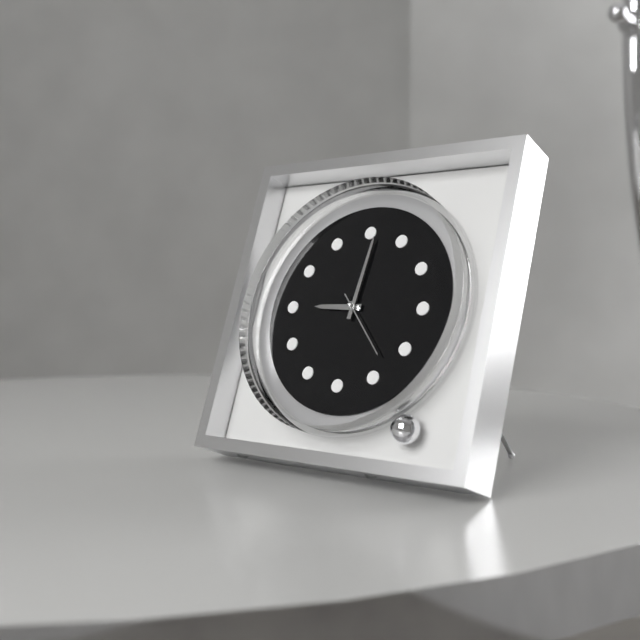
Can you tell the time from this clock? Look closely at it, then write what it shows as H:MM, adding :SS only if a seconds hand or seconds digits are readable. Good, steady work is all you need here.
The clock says 9:01:23
